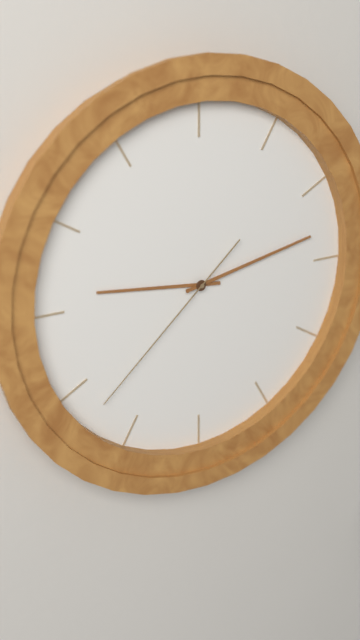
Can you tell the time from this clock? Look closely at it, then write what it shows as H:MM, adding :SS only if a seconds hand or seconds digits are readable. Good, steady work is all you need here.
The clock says 9:13:38
